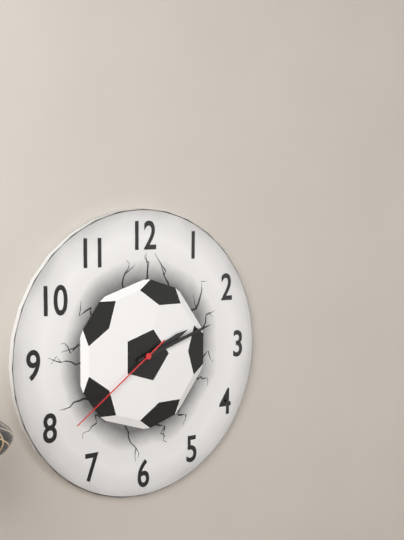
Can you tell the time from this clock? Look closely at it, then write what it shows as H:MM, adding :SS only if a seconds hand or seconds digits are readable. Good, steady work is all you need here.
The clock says 2:12:39
